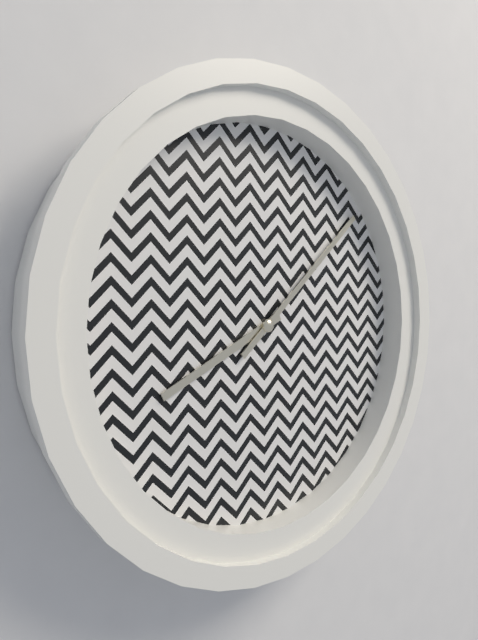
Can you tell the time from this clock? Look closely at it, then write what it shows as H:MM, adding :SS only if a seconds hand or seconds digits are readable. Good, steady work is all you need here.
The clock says 8:08
